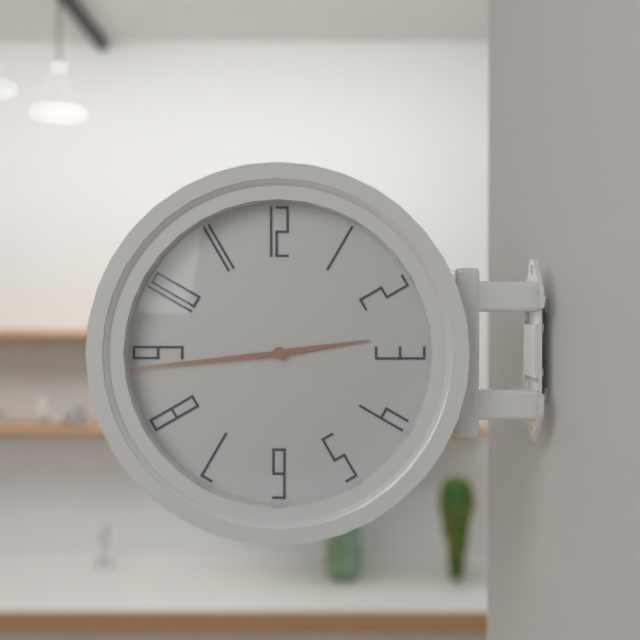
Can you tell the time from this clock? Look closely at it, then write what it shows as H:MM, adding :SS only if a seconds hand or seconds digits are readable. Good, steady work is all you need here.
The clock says 2:44
